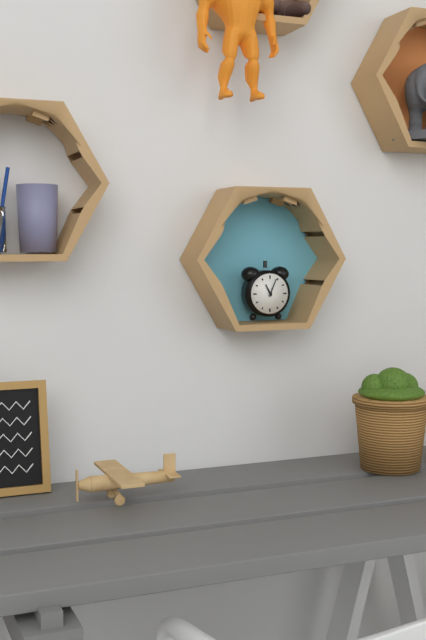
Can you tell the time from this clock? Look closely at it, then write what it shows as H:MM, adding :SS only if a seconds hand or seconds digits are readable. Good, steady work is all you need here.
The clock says 11:04
